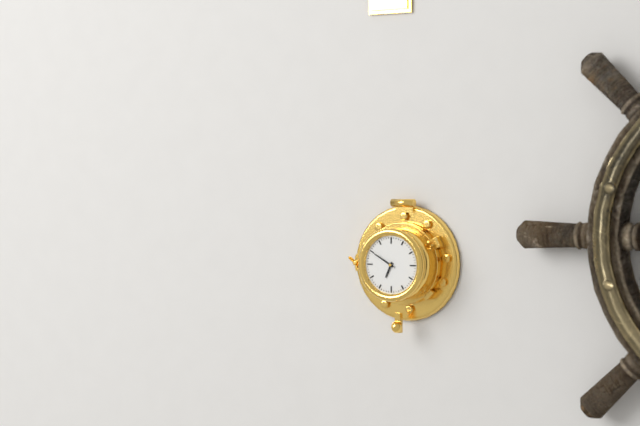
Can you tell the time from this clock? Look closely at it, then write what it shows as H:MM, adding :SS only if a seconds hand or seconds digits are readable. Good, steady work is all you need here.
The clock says 6:50
